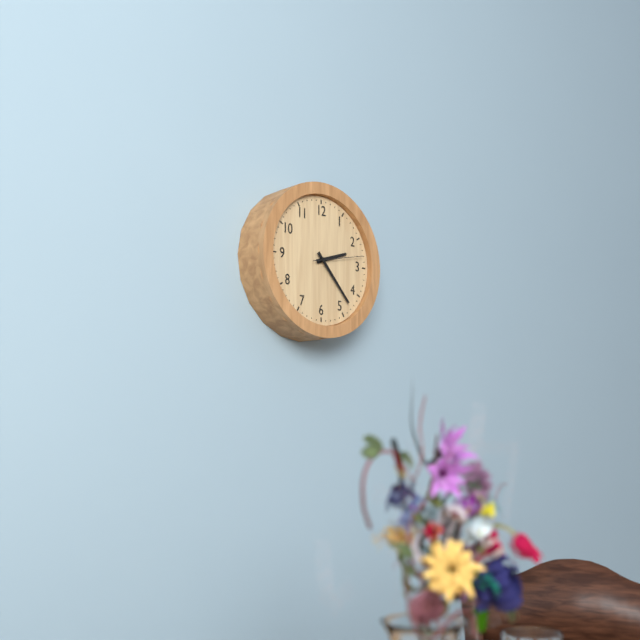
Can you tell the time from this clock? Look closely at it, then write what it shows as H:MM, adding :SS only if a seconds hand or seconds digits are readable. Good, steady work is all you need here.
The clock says 2:23:13
